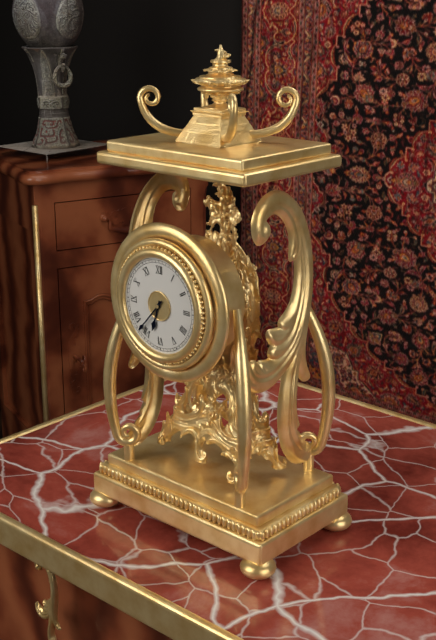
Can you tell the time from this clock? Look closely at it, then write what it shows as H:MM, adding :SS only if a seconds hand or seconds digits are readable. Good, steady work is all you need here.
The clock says 6:37
